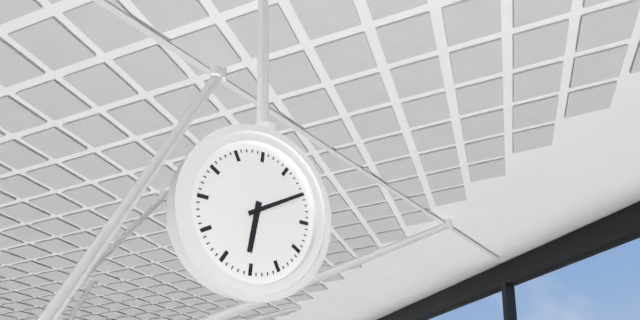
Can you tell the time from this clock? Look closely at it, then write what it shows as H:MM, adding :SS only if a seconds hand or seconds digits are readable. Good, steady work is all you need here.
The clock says 6:10
